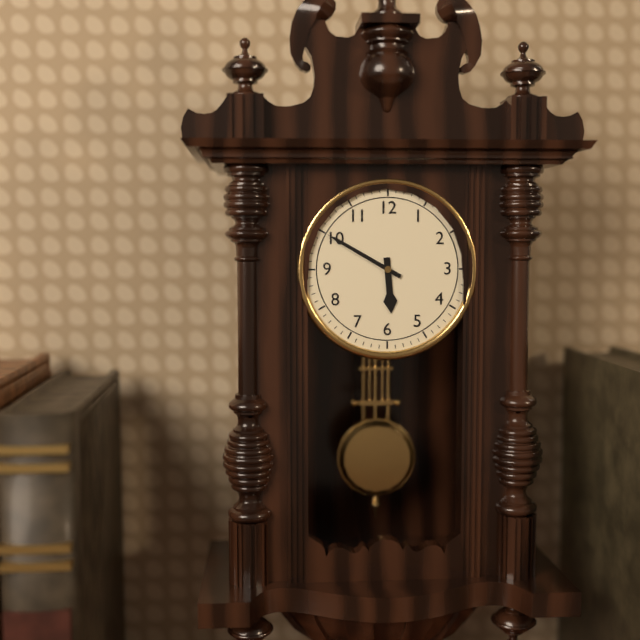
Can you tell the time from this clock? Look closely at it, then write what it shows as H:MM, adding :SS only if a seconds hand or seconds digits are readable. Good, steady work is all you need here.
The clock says 5:50
